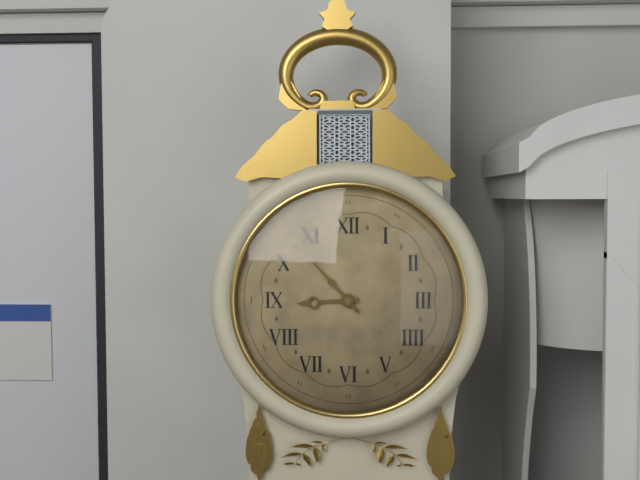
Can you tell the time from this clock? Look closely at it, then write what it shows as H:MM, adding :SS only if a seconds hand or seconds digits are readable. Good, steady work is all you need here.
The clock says 8:53
